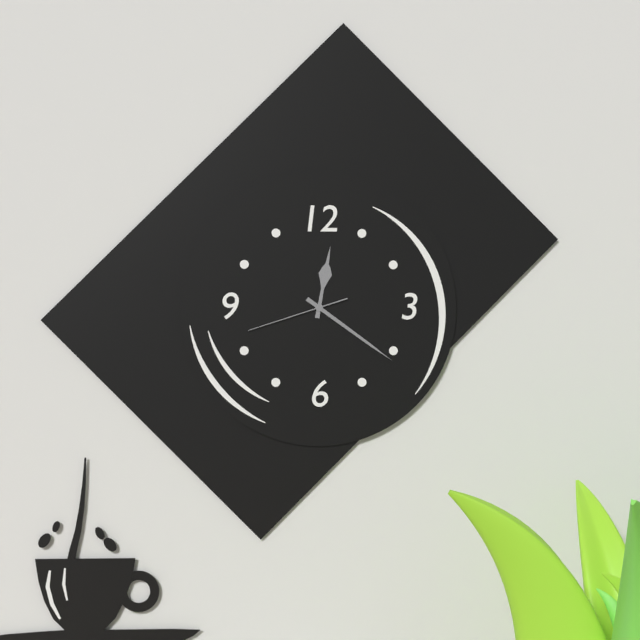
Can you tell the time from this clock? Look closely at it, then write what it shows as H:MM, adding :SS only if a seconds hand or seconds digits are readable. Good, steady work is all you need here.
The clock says 12:21:42
